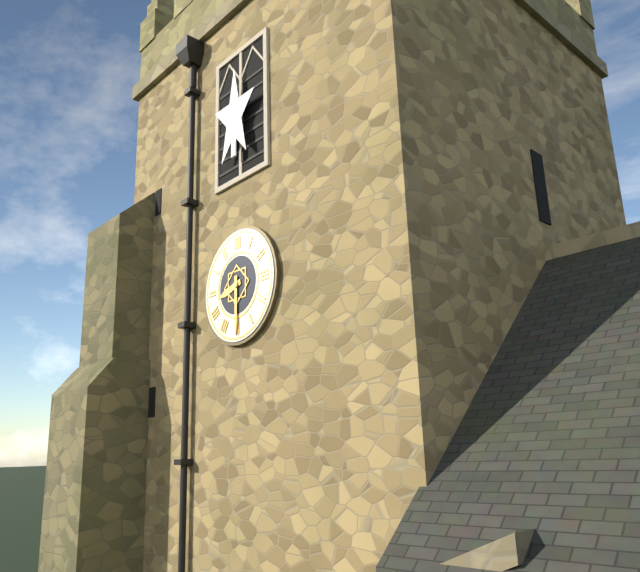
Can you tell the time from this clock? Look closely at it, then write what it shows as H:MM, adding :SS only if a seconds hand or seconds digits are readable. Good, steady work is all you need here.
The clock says 8:30
